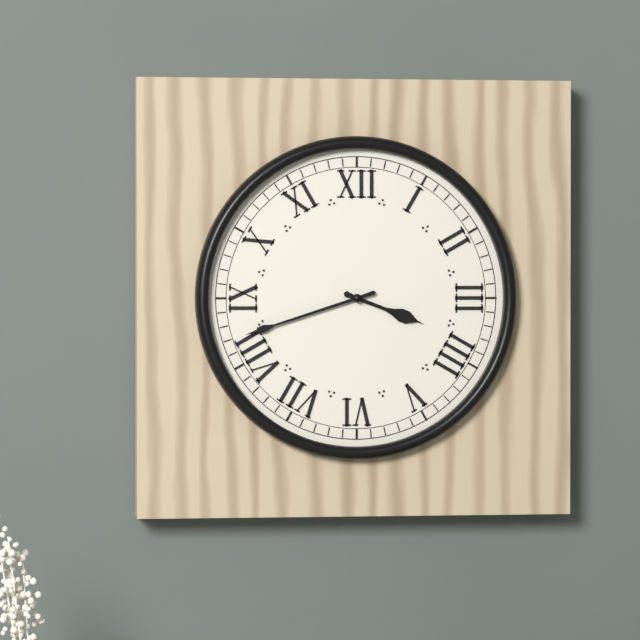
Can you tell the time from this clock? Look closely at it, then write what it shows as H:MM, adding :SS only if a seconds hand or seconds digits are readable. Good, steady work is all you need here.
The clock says 3:42
